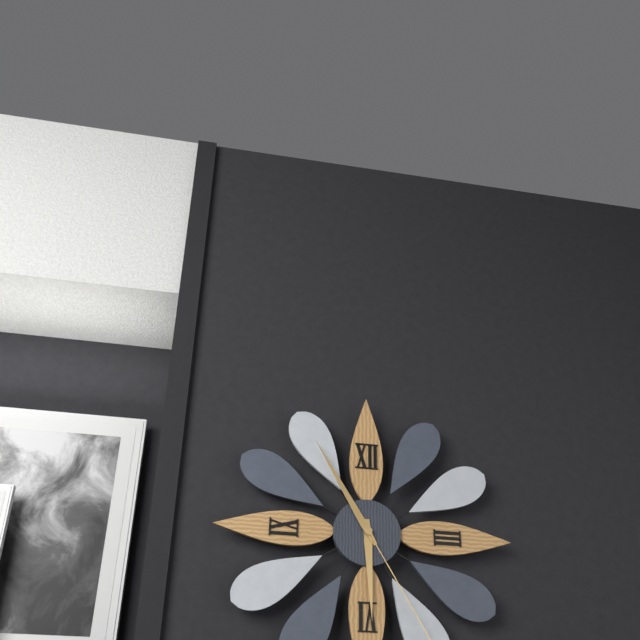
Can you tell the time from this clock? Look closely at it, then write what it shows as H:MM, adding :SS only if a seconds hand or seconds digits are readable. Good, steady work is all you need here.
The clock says 5:55
